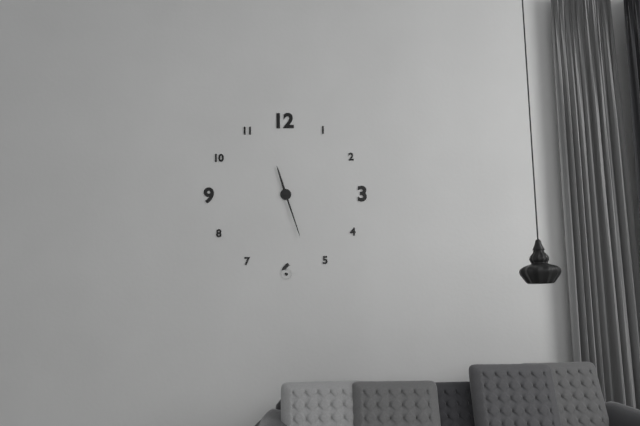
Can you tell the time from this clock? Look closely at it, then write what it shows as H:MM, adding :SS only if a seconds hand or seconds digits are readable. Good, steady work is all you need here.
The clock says 11:27
